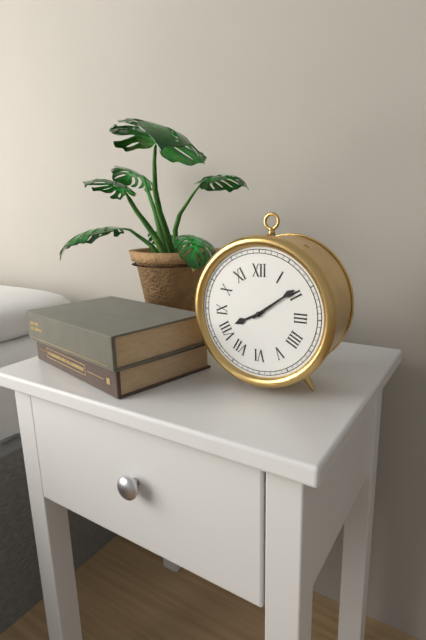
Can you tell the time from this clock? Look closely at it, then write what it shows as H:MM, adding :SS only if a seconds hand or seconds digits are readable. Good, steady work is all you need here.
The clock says 8:09
